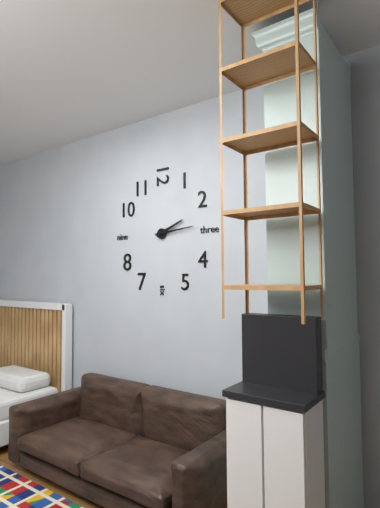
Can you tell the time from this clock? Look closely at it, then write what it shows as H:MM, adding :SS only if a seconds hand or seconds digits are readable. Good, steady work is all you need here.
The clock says 2:14
